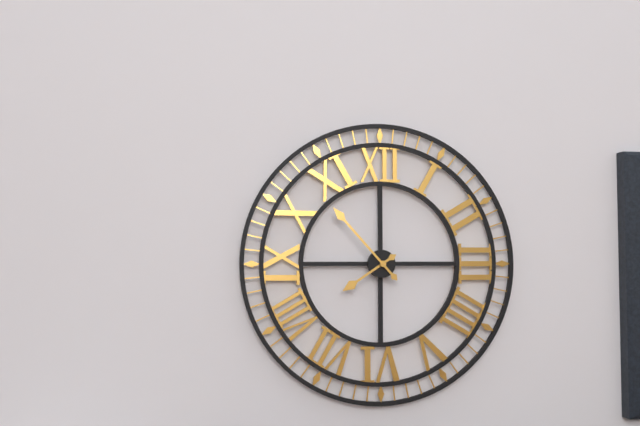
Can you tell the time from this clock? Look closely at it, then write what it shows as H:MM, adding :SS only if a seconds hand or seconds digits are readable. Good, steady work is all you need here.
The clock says 7:53
